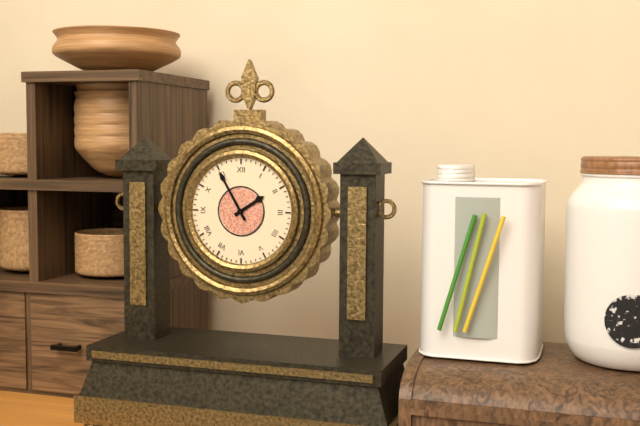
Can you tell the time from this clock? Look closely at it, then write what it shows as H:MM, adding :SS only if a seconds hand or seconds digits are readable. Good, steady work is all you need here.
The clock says 1:55
